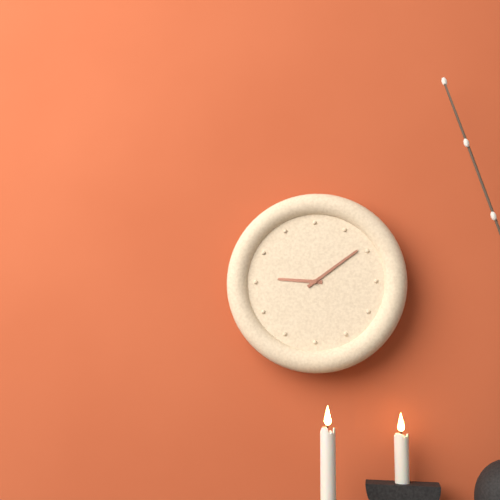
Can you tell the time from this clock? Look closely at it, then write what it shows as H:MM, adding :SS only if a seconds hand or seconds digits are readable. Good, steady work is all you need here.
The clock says 9:09
